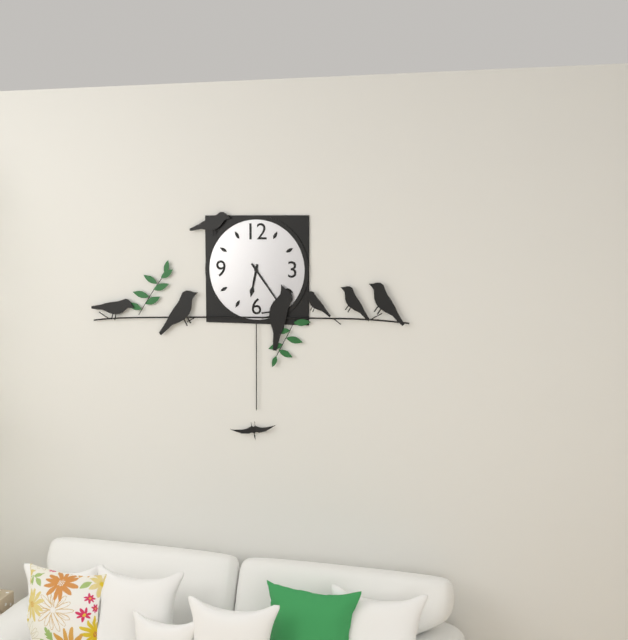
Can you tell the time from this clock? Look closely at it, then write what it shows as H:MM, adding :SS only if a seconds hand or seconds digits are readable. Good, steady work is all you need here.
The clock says 6:24
